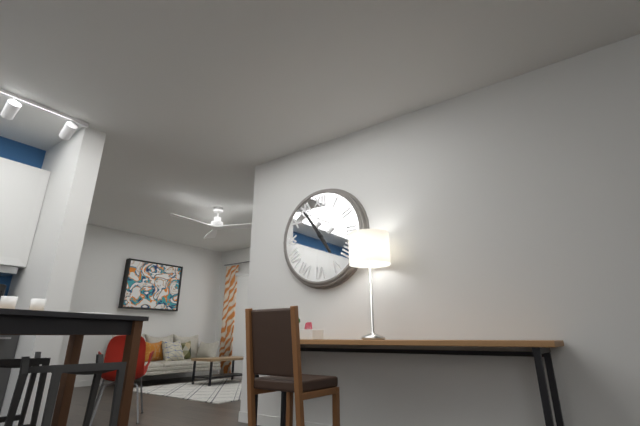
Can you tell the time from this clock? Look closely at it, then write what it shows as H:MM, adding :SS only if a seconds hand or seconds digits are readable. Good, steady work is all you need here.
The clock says 4:54
